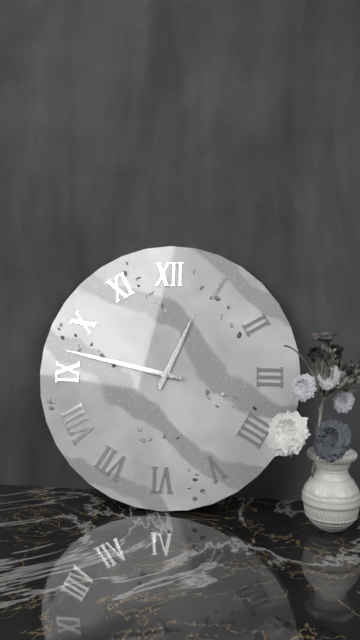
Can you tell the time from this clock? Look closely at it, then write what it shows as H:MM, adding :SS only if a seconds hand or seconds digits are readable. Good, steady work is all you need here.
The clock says 12:47
